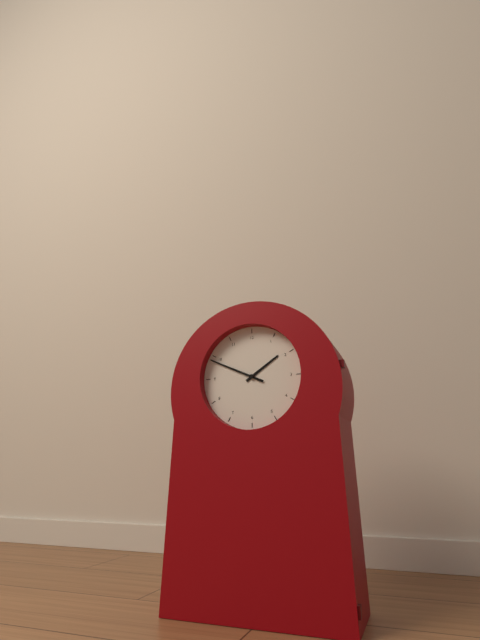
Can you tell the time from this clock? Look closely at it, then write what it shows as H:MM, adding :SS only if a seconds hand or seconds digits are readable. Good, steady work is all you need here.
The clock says 1:49
